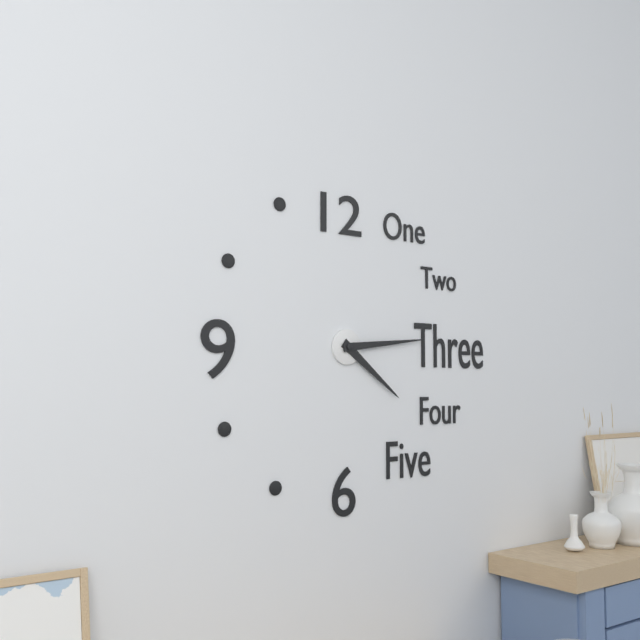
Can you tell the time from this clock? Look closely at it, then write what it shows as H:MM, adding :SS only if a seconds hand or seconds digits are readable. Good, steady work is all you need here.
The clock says 4:14
